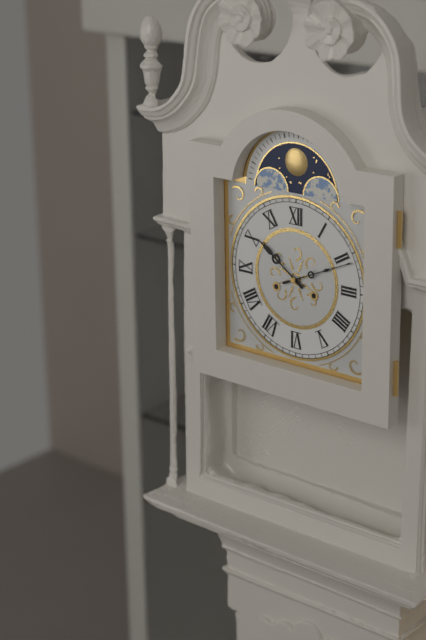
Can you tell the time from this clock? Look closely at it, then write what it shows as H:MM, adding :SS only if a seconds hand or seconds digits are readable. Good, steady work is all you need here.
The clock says 10:11
